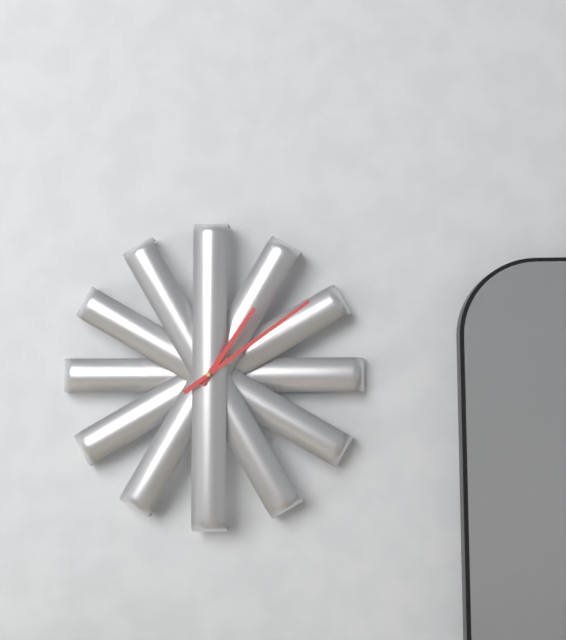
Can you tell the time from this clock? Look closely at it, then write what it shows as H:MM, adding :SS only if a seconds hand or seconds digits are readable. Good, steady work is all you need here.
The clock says 1:09
